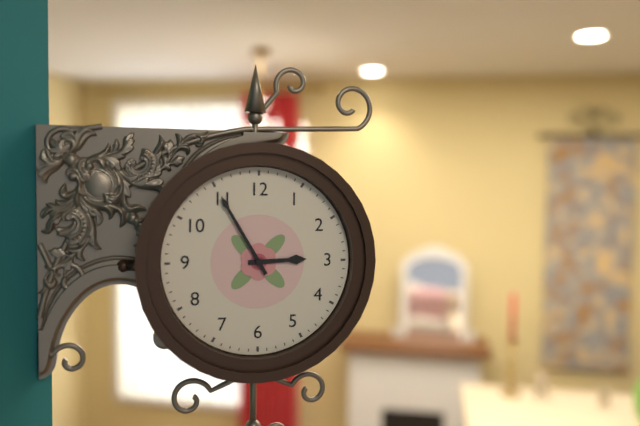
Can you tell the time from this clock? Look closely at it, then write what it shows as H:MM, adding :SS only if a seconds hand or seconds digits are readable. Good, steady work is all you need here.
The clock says 2:55
